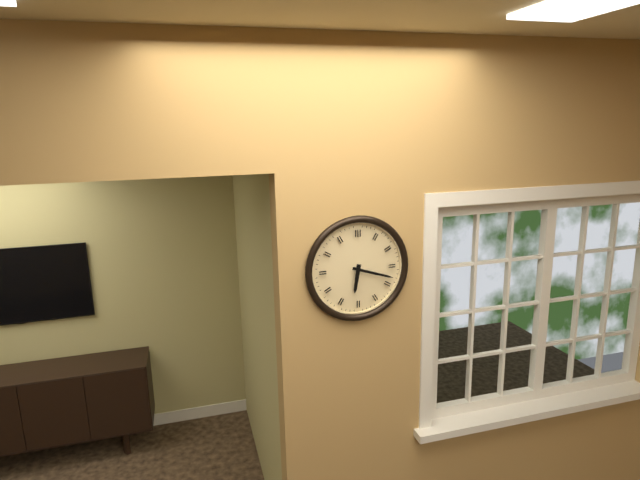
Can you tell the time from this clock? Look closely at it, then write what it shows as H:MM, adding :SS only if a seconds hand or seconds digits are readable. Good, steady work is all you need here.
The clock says 6:18
